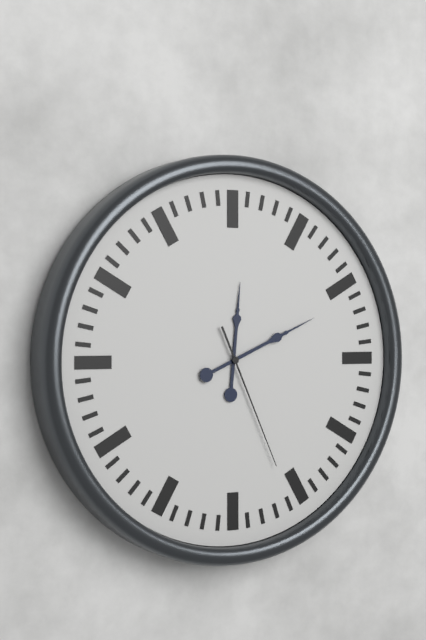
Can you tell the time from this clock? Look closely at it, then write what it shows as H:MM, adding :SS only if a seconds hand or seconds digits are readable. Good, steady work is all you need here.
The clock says 12:11:26
